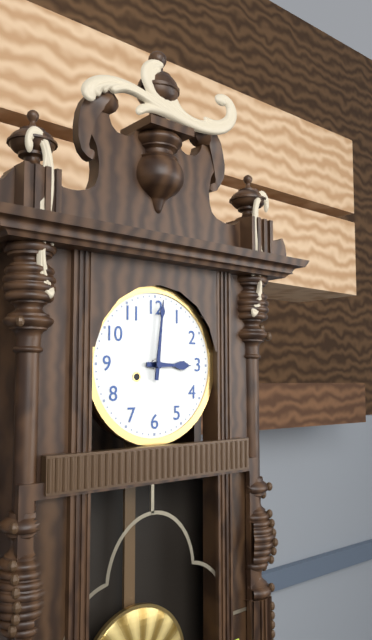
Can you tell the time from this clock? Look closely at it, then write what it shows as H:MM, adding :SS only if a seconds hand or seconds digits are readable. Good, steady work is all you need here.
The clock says 3:01
